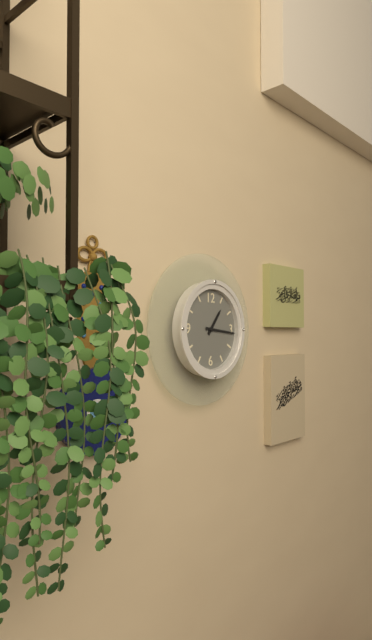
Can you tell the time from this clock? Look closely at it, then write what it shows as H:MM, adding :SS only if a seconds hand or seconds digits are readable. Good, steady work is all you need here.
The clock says 1:16
